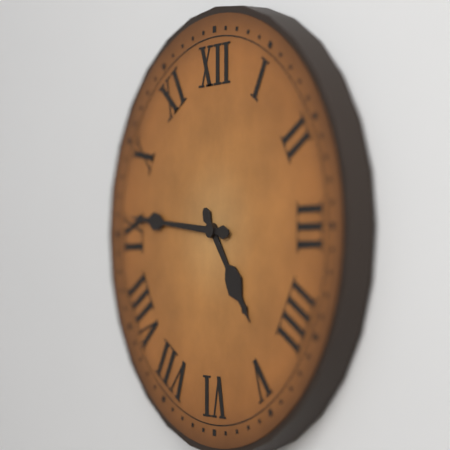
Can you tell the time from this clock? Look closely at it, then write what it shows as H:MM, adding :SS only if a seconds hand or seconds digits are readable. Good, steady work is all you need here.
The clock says 4:46
